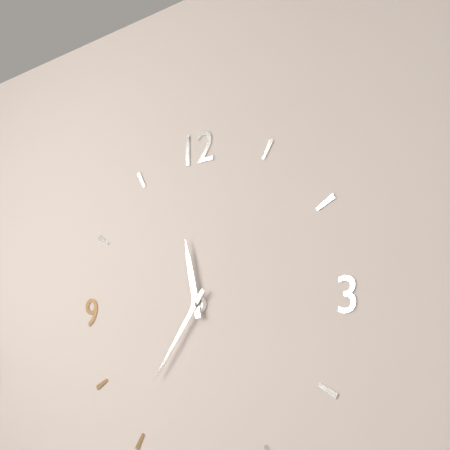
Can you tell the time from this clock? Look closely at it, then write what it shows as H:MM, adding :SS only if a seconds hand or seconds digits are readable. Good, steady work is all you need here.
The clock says 11:36
